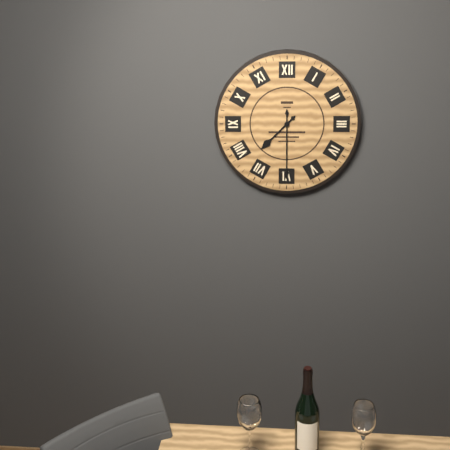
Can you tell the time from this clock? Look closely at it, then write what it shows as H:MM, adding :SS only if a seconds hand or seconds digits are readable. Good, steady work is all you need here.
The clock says 7:30
